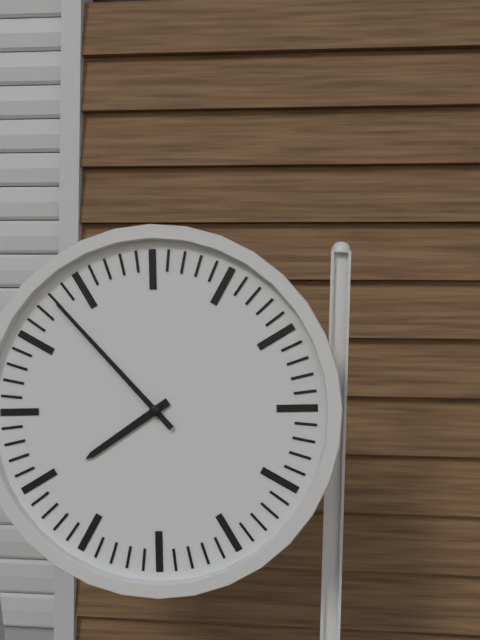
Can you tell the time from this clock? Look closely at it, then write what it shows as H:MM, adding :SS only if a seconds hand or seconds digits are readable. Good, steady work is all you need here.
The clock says 7:53
